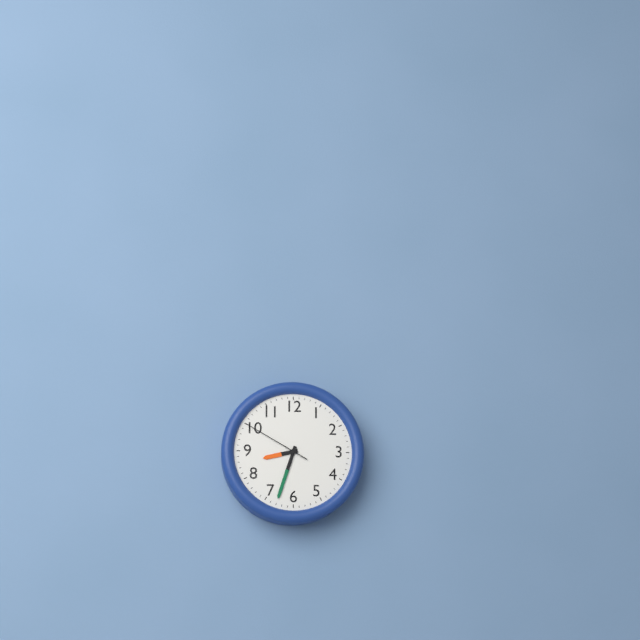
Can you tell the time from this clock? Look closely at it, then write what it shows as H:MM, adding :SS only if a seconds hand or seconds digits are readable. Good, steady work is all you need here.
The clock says 8:33:50
